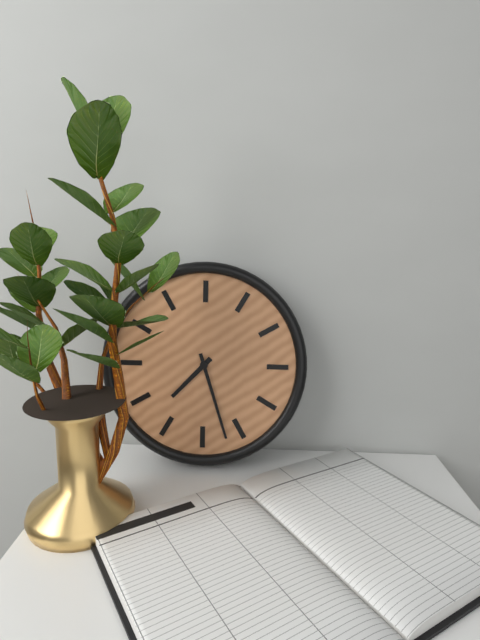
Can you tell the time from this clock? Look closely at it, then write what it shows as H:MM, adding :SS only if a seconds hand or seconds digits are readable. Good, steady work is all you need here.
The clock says 7:27
